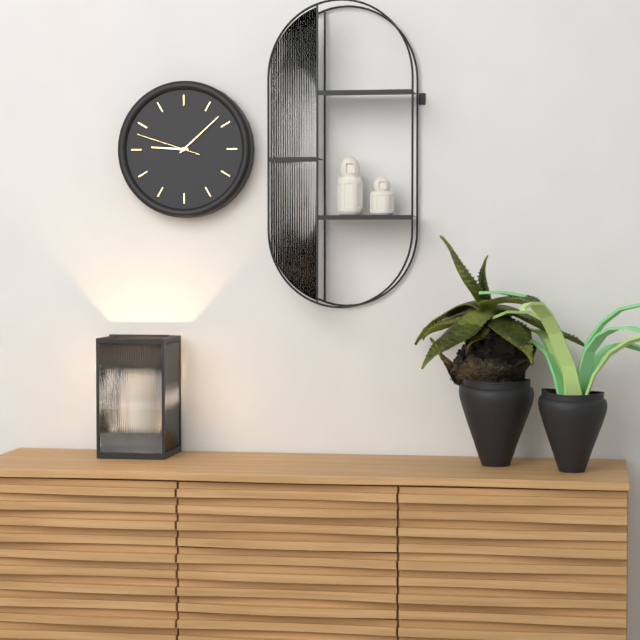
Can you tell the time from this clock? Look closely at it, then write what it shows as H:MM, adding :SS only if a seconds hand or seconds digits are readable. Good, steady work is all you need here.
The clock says 9:08:48
